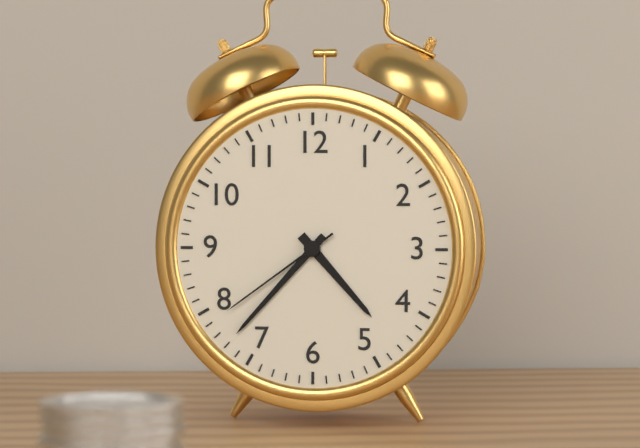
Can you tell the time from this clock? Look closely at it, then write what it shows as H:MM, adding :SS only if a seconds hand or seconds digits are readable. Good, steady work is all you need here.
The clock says 4:37:39
